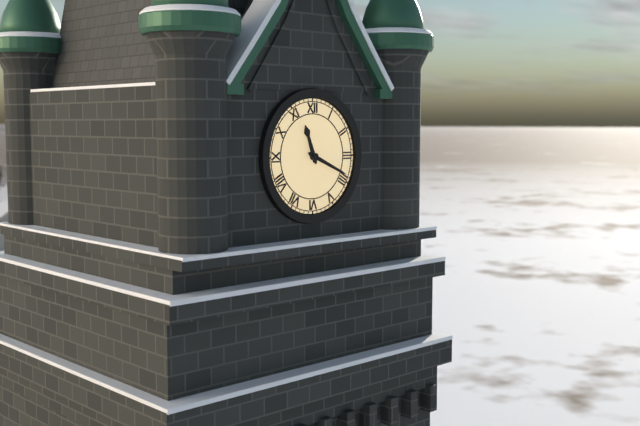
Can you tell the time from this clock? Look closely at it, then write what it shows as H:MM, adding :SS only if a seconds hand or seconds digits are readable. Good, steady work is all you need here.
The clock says 11:19
